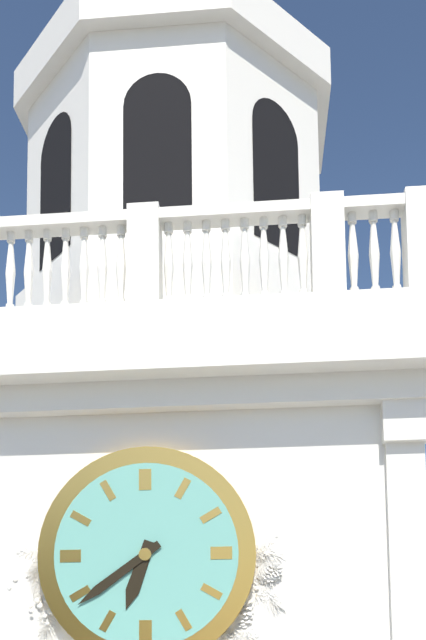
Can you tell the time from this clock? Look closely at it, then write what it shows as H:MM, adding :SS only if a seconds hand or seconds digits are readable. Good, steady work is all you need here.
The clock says 6:39
